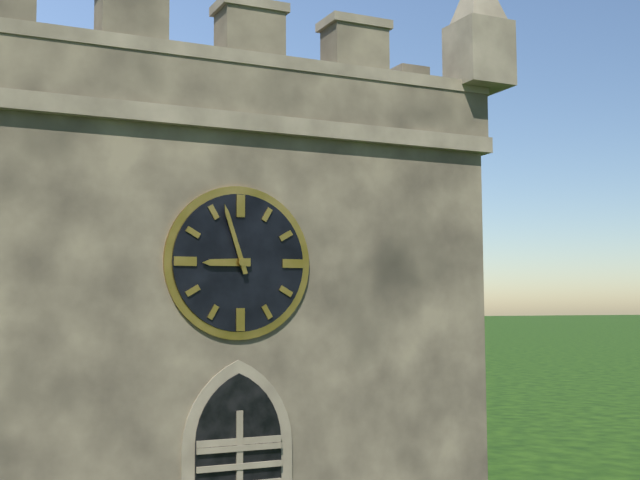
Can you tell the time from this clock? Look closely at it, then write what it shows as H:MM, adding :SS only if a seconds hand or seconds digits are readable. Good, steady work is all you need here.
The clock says 8:57
